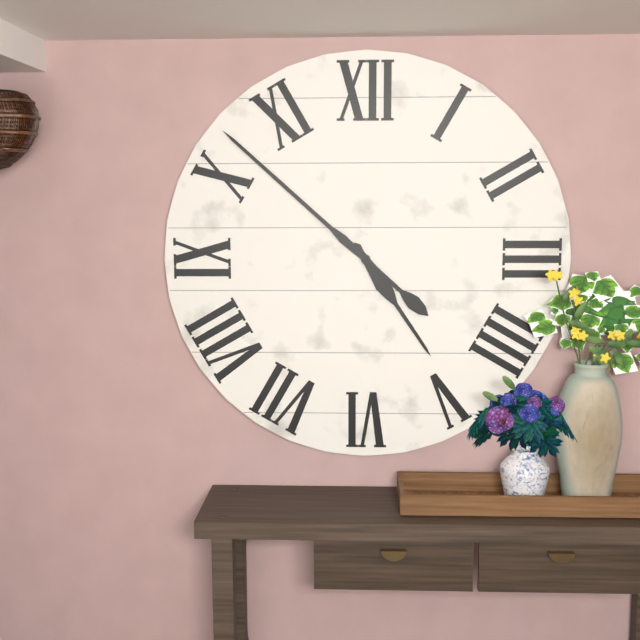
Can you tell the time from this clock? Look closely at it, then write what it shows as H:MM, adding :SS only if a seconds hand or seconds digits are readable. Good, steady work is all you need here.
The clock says 4:52
